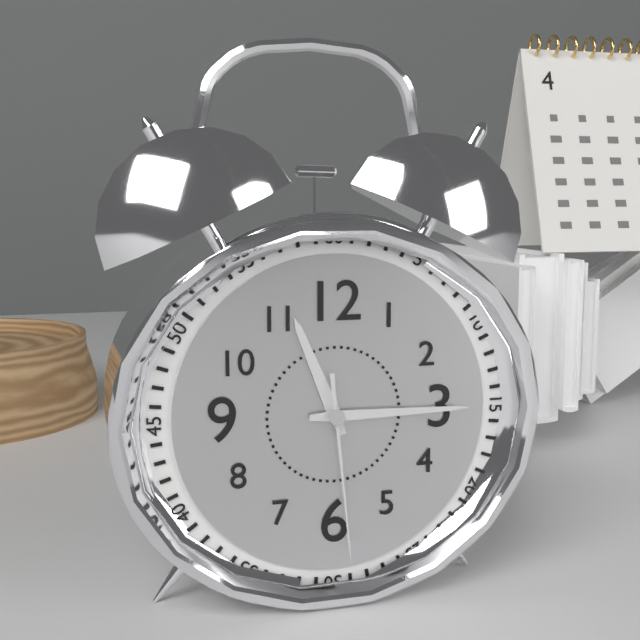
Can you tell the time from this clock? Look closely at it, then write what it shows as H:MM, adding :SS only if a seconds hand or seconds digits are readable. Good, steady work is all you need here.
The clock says 11:15:29
